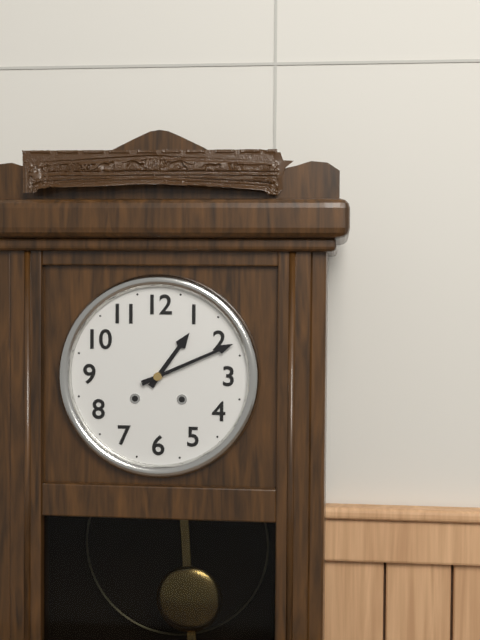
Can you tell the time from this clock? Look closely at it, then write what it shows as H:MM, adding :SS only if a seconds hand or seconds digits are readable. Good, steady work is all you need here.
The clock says 1:11
